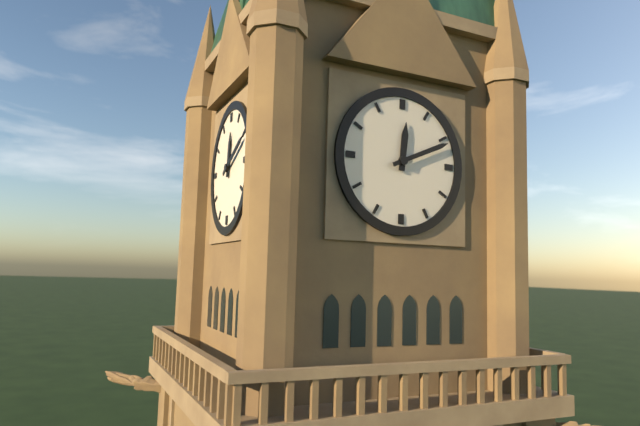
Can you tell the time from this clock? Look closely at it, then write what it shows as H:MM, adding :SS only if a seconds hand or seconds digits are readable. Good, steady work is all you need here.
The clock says 12:11
